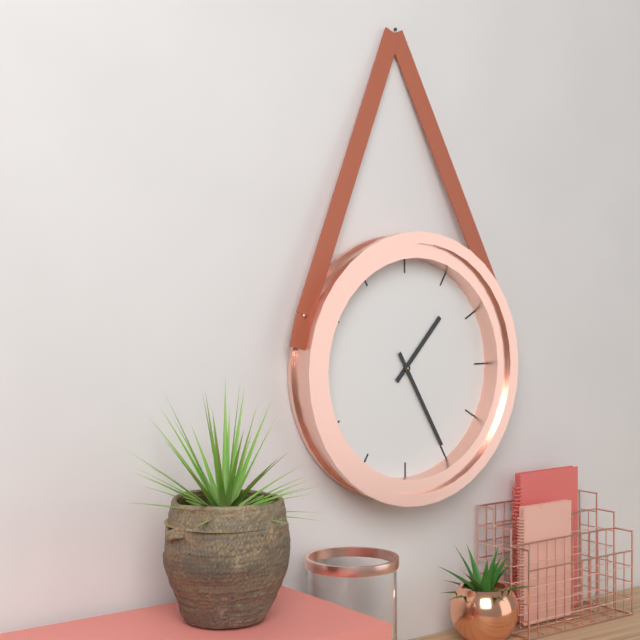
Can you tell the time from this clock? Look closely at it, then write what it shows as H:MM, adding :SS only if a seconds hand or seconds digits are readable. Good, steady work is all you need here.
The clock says 1:25
